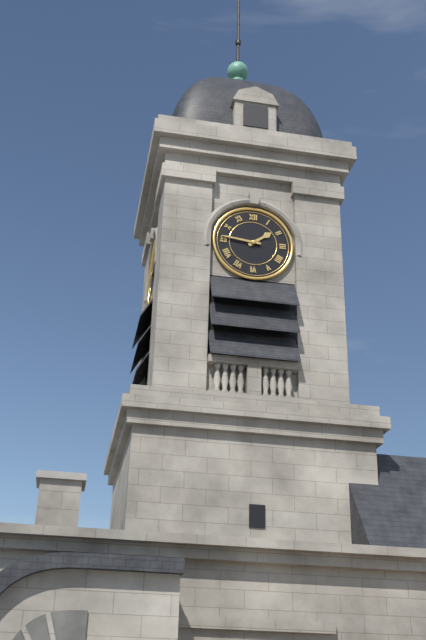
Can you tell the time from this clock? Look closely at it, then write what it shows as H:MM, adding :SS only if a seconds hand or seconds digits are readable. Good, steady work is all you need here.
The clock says 1:46
